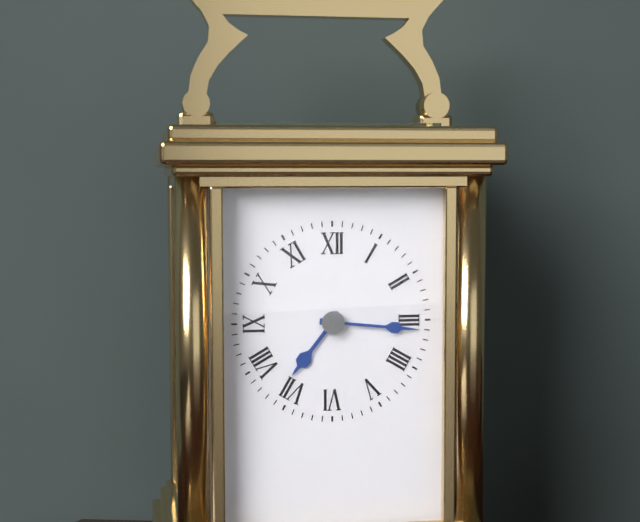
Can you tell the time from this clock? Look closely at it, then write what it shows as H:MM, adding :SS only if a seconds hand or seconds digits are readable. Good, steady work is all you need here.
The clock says 7:16
